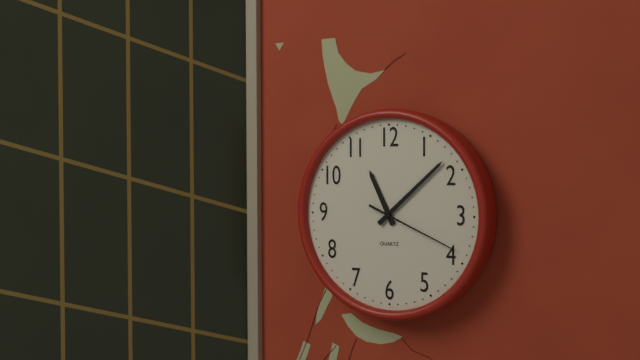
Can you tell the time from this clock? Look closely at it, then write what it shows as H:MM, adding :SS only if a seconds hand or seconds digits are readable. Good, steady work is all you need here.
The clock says 11:08:19
